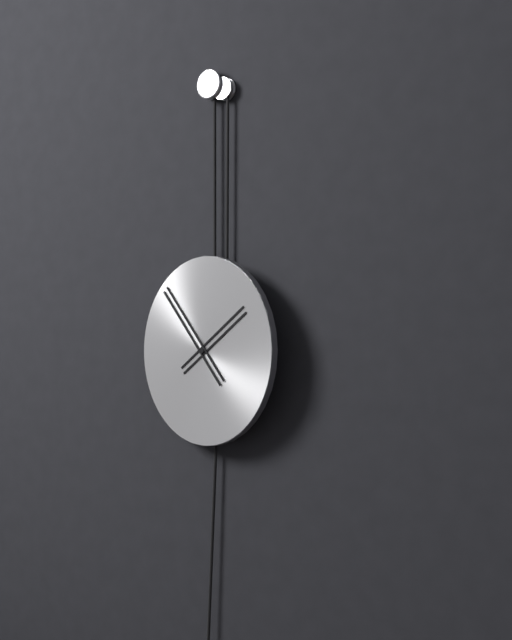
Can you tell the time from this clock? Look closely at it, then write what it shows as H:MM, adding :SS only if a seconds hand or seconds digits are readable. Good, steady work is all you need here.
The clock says 1:53
